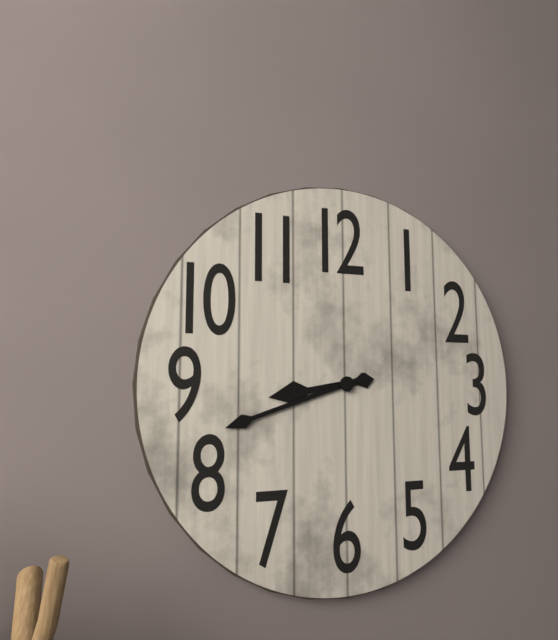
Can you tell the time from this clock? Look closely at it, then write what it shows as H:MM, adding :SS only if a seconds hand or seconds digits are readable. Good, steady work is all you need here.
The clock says 8:42
